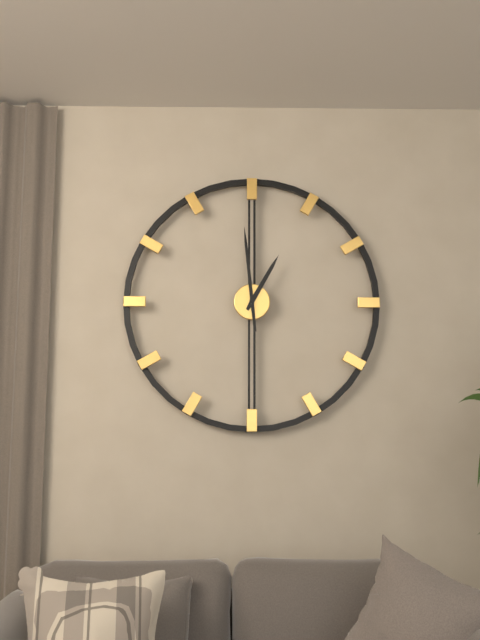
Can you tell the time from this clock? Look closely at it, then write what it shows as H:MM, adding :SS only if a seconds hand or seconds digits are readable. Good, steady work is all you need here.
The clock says 12:59
